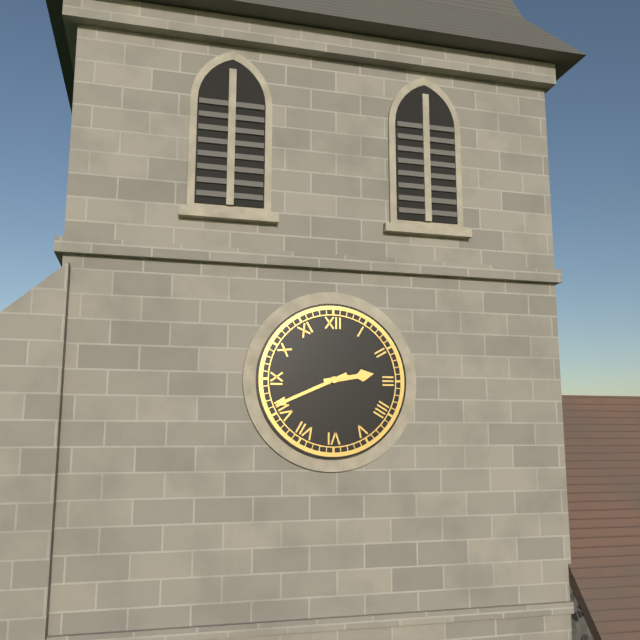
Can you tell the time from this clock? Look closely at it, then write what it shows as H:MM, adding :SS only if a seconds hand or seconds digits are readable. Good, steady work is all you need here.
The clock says 2:41
